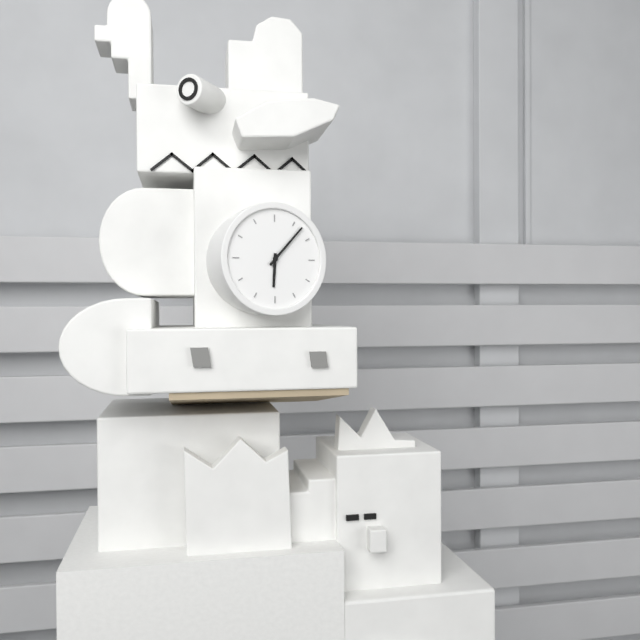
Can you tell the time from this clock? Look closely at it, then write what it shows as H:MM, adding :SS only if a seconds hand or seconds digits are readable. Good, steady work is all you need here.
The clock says 6:07
